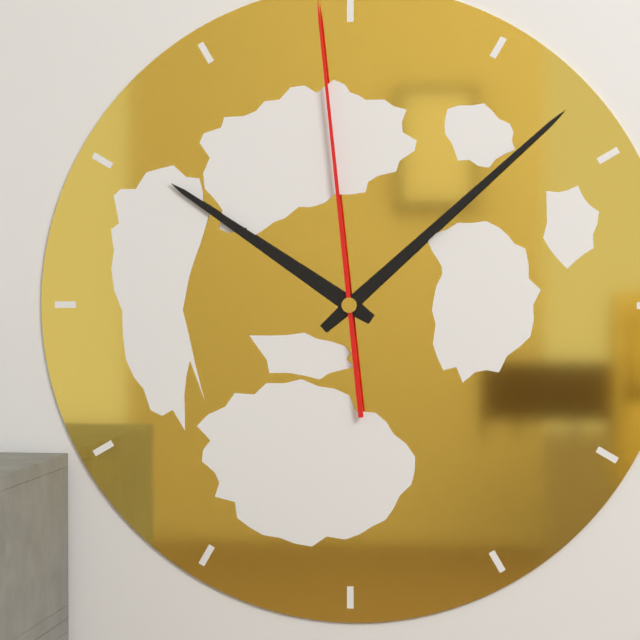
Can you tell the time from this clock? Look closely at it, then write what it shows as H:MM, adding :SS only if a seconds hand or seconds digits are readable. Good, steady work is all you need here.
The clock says 10:08
